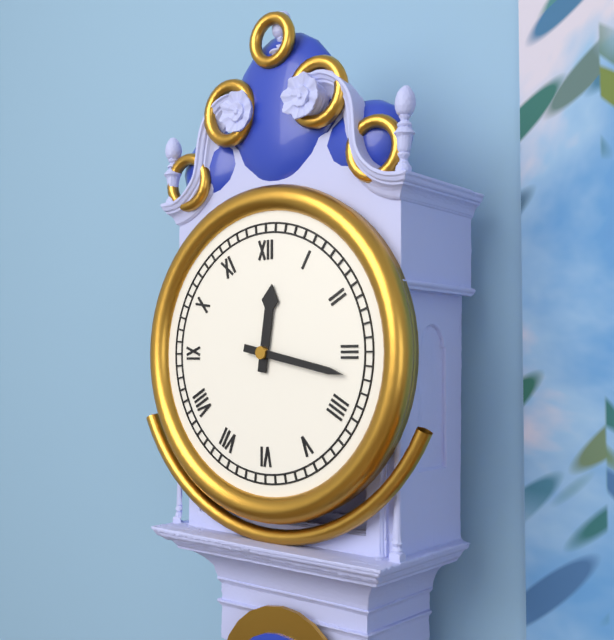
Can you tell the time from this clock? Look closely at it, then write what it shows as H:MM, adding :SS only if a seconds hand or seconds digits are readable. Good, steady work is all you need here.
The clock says 12:17
